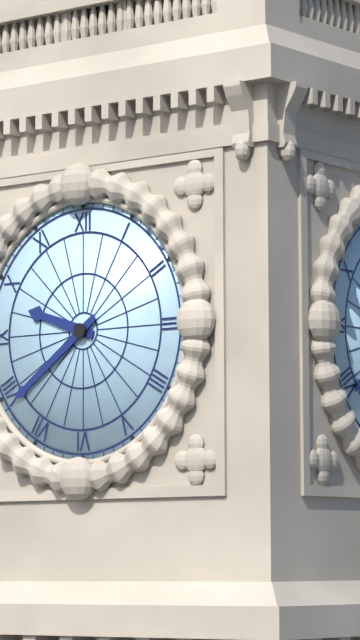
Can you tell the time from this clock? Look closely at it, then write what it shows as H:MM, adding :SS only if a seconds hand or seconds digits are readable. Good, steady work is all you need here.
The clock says 9:39
